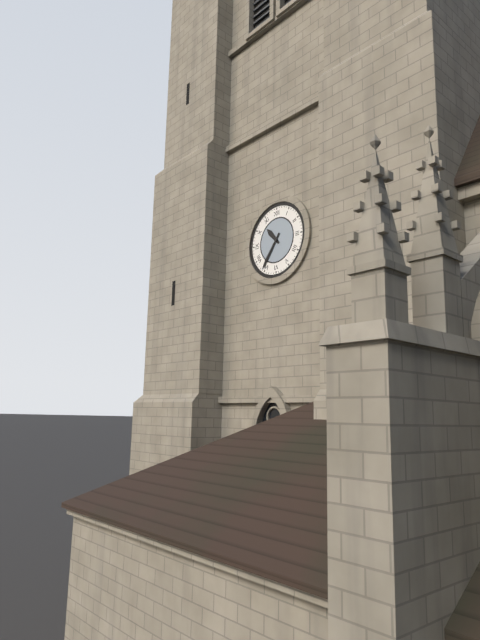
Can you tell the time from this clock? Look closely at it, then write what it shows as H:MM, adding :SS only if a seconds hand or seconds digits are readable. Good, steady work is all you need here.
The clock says 10:36
